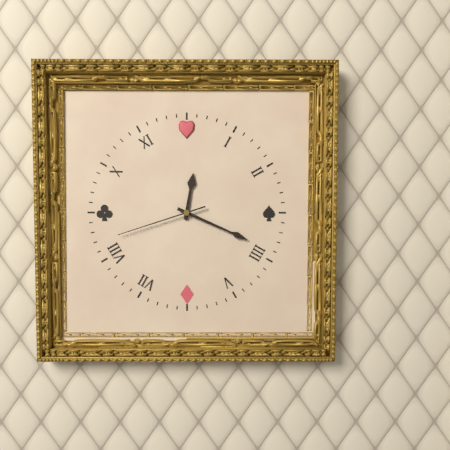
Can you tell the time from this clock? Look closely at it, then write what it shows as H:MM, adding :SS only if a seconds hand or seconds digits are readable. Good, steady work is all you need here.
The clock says 12:19:42
